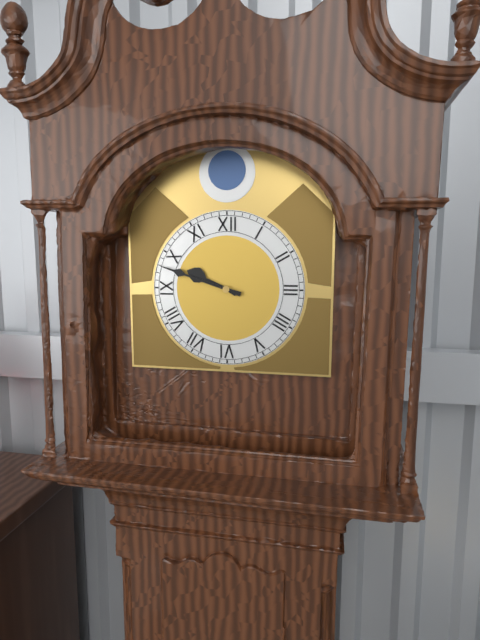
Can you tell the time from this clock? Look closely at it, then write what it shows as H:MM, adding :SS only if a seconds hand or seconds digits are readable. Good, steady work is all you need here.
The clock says 9:48
